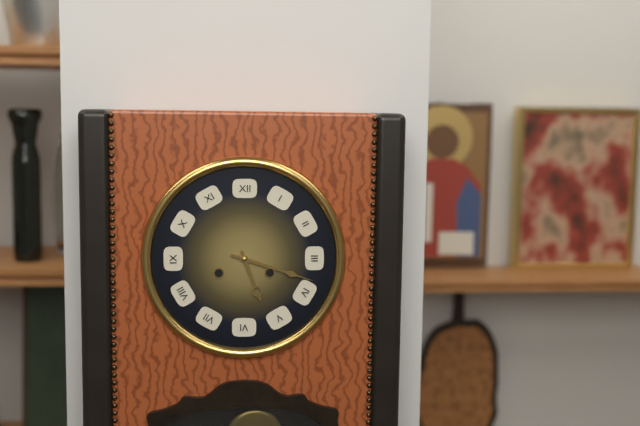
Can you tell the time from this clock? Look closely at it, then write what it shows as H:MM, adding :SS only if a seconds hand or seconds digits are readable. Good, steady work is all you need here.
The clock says 5:18
